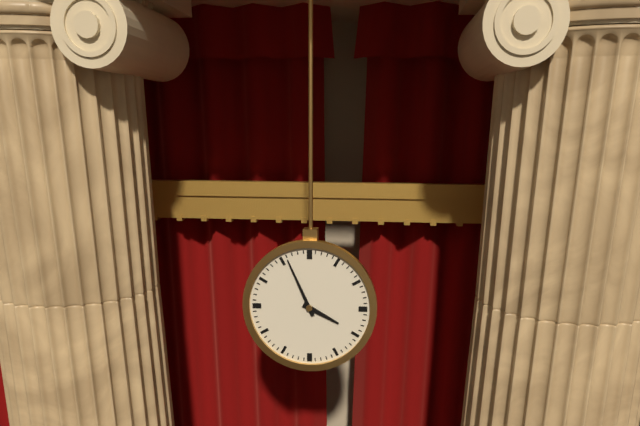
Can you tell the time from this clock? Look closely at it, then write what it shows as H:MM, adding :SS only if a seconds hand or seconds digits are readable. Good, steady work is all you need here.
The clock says 3:56
